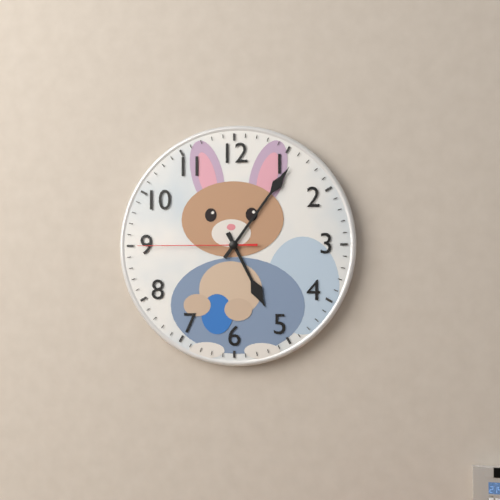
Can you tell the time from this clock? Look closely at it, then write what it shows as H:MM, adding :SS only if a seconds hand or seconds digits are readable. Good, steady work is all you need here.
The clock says 5:06:45
